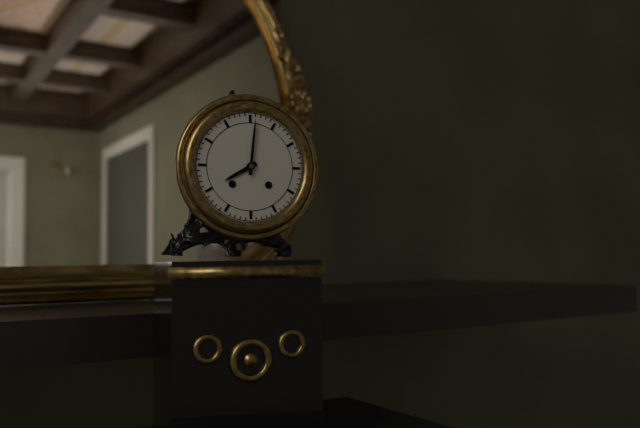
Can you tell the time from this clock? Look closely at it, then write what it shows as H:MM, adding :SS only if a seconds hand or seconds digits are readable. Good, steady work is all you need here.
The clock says 8:01
